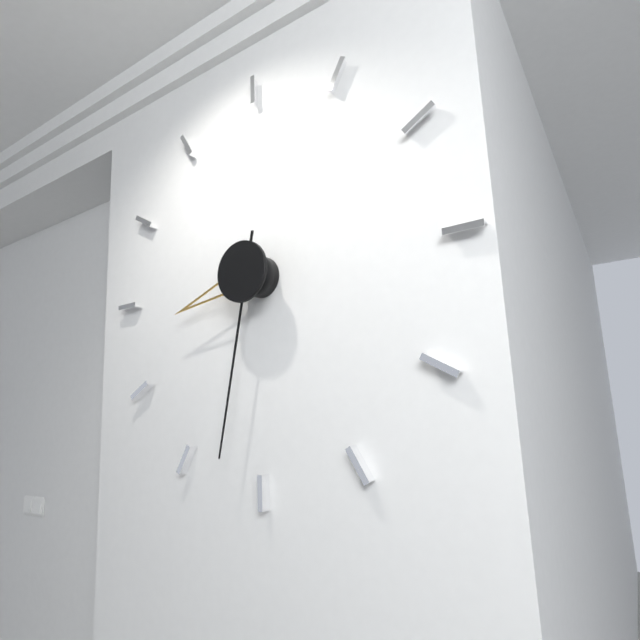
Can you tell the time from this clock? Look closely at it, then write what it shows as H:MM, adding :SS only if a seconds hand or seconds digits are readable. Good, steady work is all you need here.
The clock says 8:32
